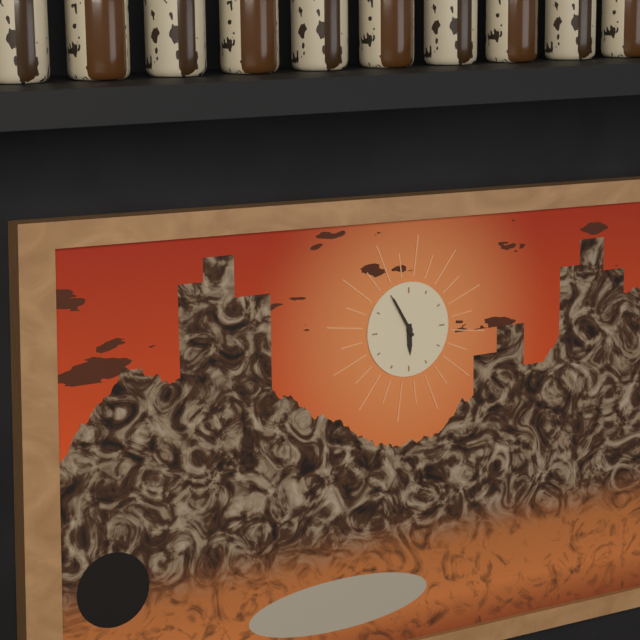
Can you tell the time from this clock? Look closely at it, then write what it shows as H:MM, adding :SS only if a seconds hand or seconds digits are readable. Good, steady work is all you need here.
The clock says 5:55
